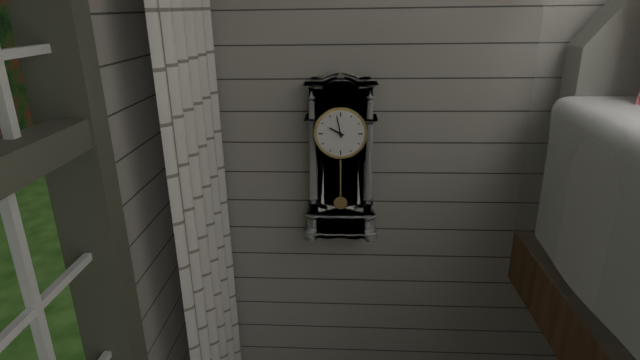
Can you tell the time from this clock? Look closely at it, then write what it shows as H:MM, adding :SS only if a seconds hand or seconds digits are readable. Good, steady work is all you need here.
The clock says 9:58
